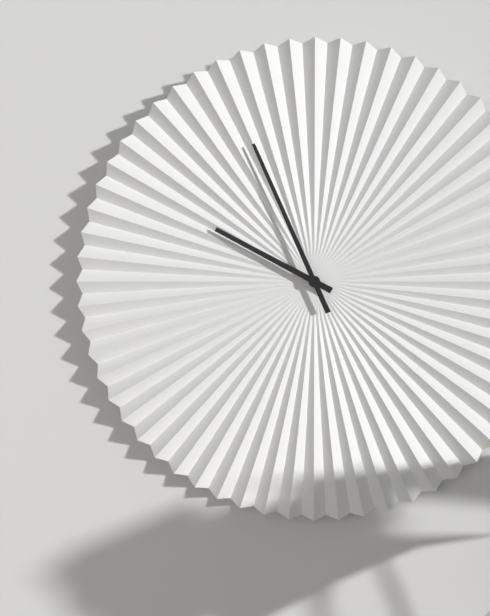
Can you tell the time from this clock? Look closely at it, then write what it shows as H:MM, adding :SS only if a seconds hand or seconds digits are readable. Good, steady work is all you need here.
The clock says 9:56
